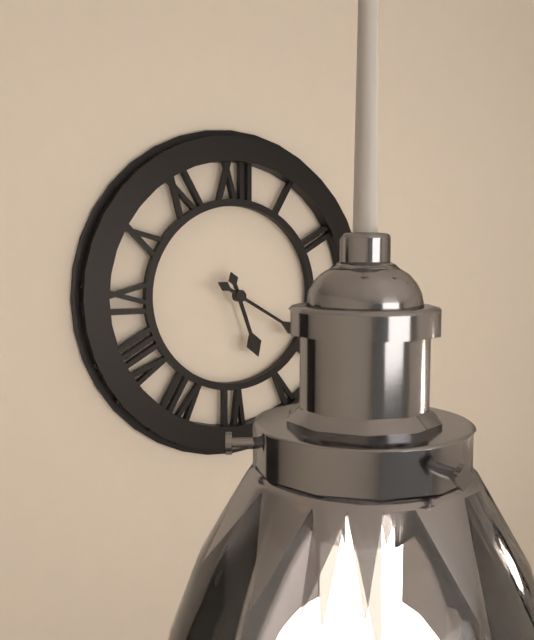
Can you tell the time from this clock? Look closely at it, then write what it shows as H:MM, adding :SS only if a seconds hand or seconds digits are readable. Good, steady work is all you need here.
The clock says 5:20
